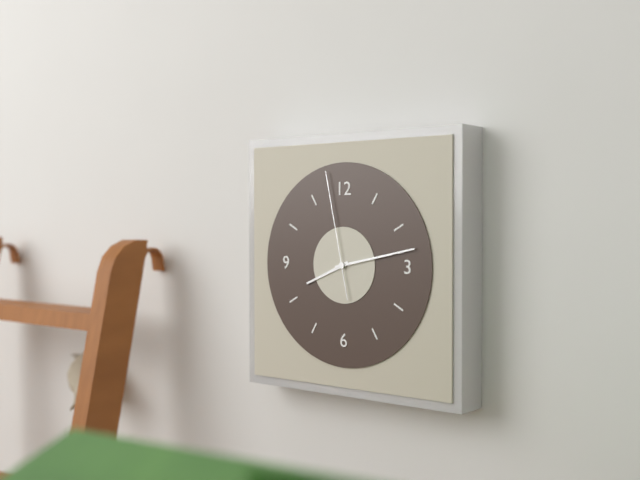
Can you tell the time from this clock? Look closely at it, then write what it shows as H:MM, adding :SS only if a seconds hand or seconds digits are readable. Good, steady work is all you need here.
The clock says 8:13:58
